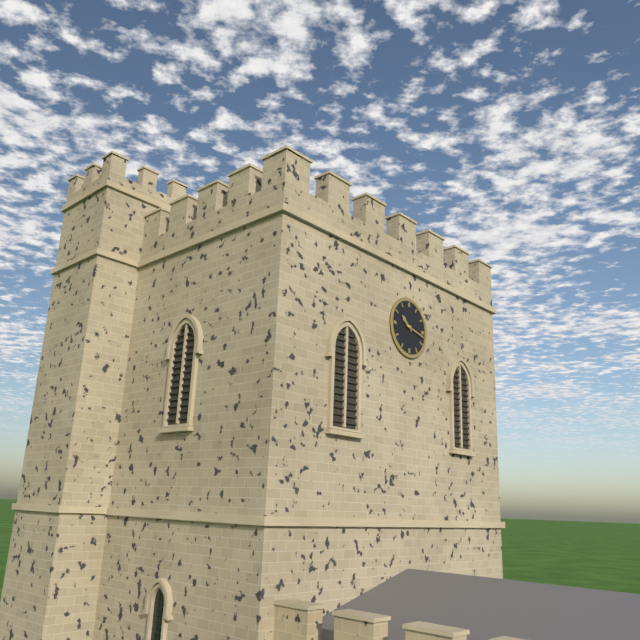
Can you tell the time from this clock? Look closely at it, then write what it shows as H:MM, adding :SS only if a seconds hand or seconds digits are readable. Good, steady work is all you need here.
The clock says 10:17
